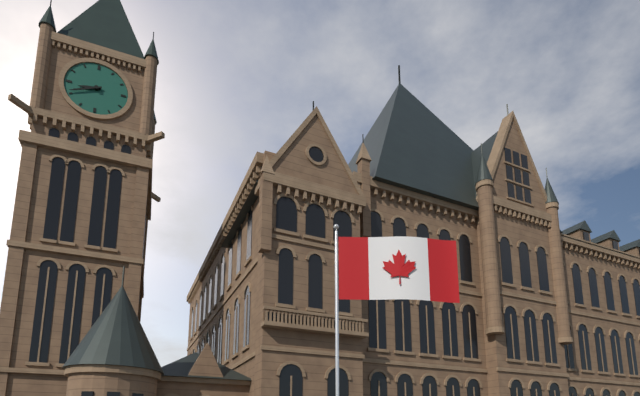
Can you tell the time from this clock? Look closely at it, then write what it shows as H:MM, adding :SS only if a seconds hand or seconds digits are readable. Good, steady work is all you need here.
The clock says 8:41
